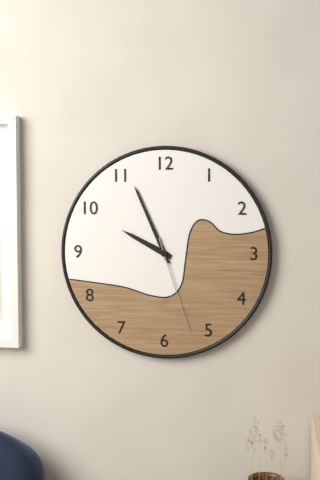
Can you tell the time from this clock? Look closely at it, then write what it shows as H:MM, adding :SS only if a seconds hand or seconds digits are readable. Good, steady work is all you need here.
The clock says 9:56:27
